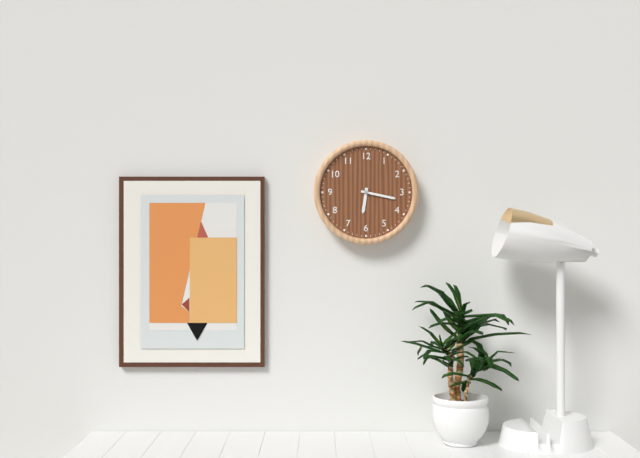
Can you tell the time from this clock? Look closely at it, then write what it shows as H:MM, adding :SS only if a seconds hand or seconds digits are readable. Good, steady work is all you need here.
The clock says 6:17
